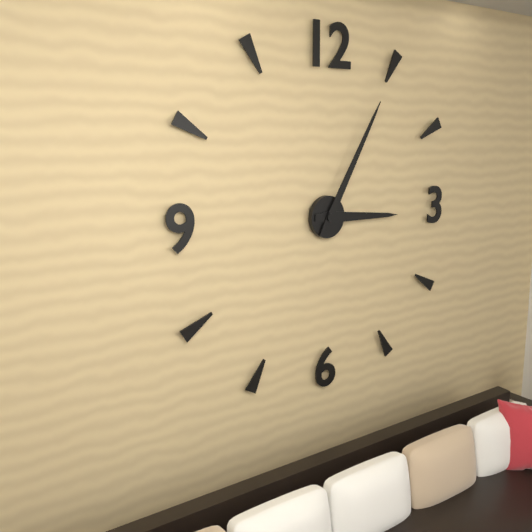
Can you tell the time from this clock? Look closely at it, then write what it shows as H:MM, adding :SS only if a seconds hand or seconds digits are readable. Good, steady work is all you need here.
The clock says 3:05
